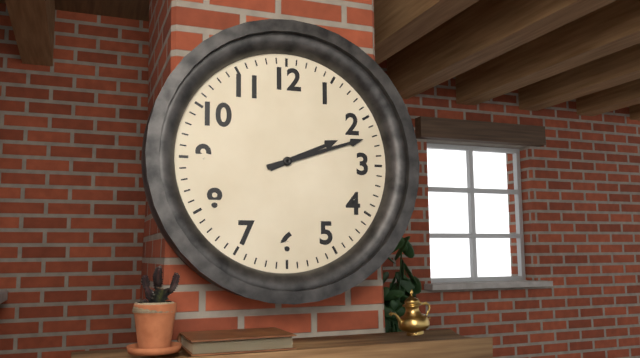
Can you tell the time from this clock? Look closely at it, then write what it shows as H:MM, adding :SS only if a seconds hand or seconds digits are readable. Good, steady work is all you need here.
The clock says 2:12
